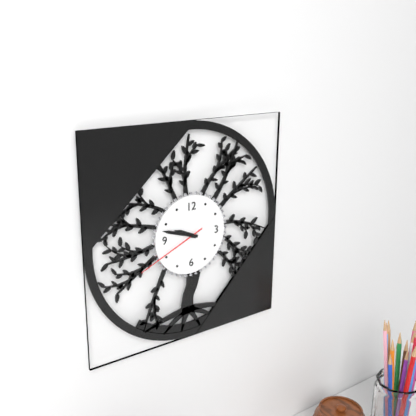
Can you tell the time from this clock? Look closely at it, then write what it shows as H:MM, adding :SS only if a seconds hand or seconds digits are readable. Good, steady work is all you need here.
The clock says 9:48:41
